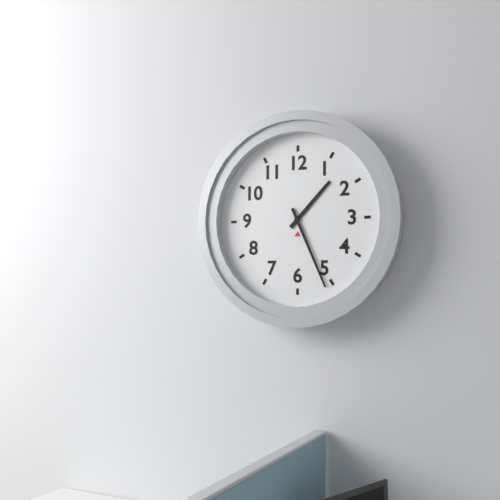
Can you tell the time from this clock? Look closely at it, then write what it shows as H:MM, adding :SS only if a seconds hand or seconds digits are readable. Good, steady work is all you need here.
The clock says 1:26
